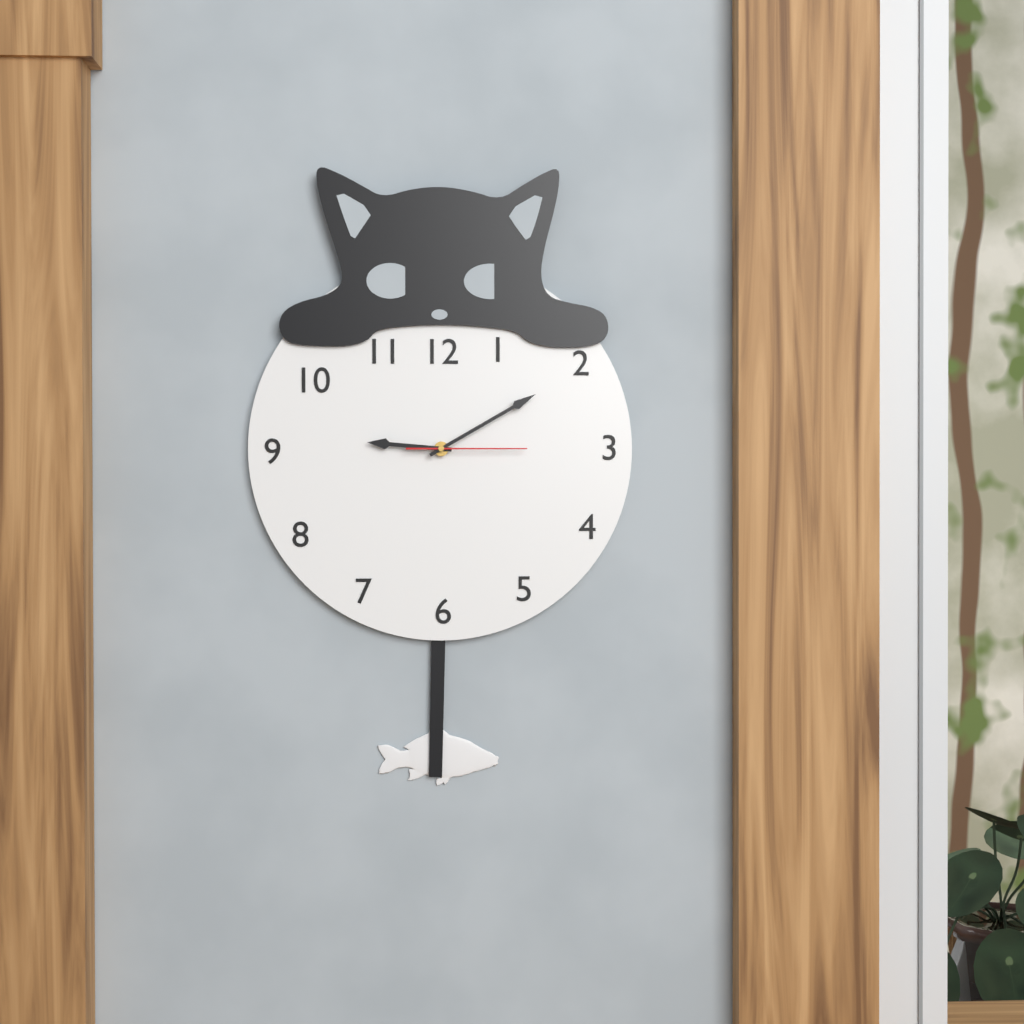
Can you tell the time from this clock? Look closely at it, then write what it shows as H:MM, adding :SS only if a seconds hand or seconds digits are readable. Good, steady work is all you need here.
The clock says 9:10:15
